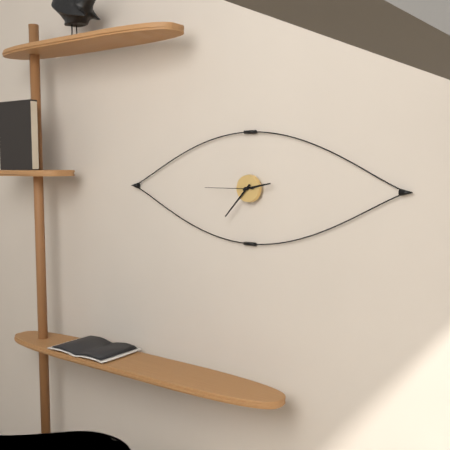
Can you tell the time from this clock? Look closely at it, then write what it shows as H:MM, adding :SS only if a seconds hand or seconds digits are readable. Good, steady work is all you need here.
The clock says 2:37:45
